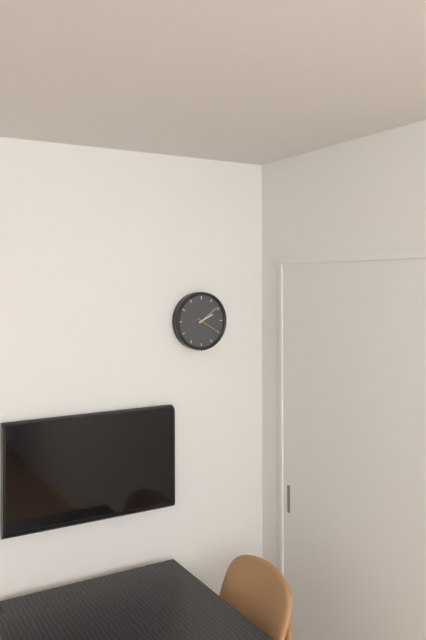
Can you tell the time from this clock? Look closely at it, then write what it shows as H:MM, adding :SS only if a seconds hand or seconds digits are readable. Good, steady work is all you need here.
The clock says 2:09
